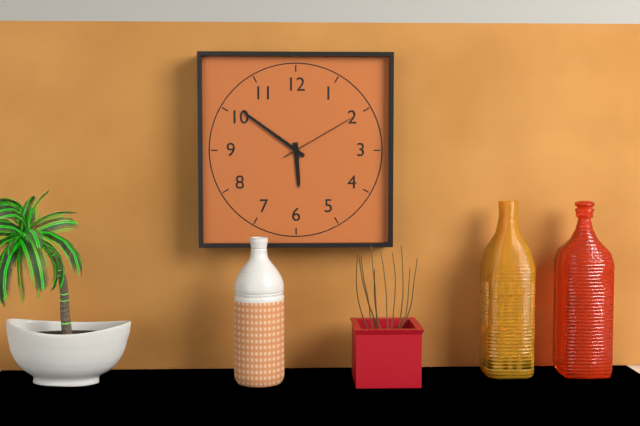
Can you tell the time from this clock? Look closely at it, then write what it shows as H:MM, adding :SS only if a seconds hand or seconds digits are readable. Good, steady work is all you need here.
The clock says 5:51:10
